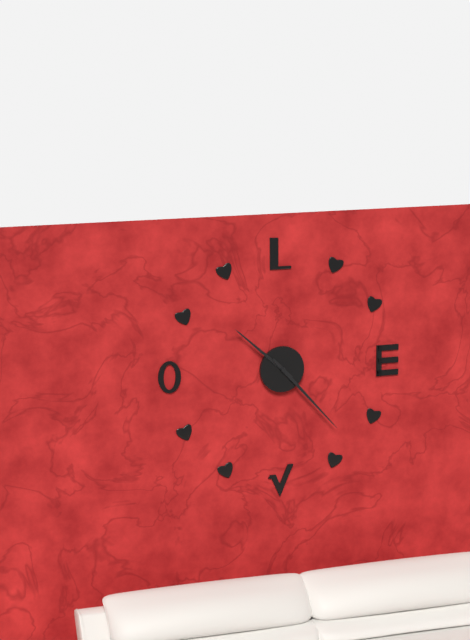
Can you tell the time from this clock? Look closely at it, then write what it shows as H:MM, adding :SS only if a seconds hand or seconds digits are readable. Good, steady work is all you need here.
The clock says 10:23
